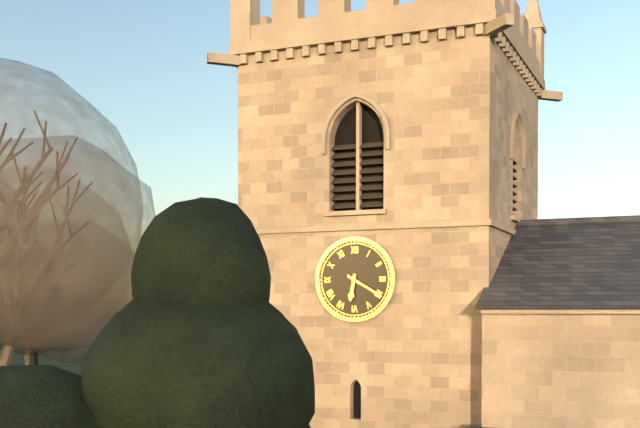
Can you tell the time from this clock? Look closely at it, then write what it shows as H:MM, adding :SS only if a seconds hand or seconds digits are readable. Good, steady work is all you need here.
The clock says 6:20
